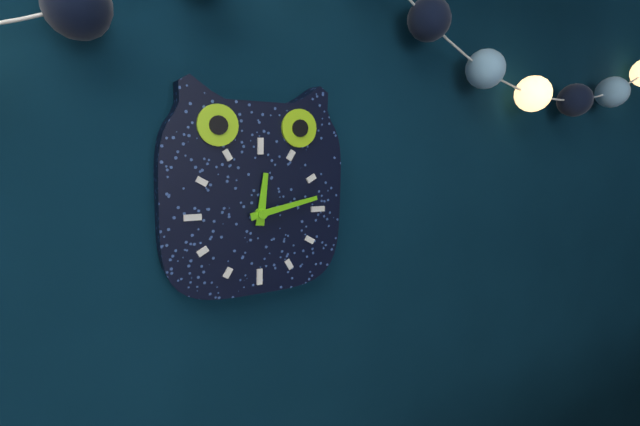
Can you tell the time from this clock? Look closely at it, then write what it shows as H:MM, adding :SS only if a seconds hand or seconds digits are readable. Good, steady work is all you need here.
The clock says 12:13
